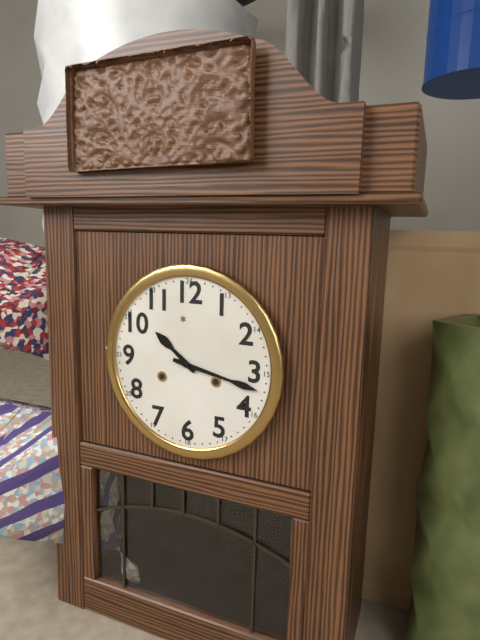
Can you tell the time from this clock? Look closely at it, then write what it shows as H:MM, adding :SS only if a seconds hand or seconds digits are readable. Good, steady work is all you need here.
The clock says 10:17
